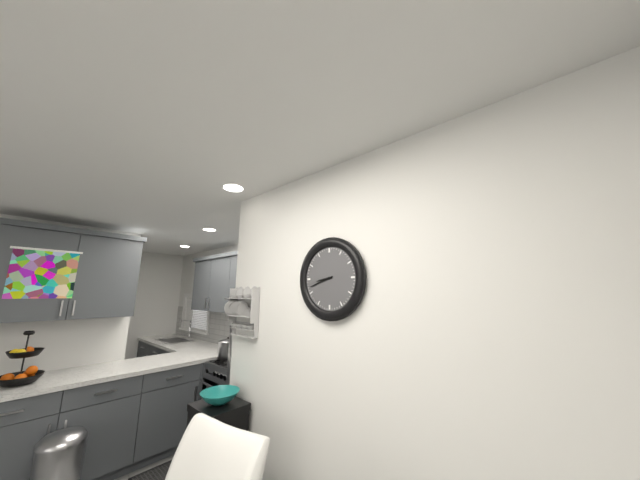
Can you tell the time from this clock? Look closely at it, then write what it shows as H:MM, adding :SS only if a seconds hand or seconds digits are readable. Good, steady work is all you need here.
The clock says 8:42
